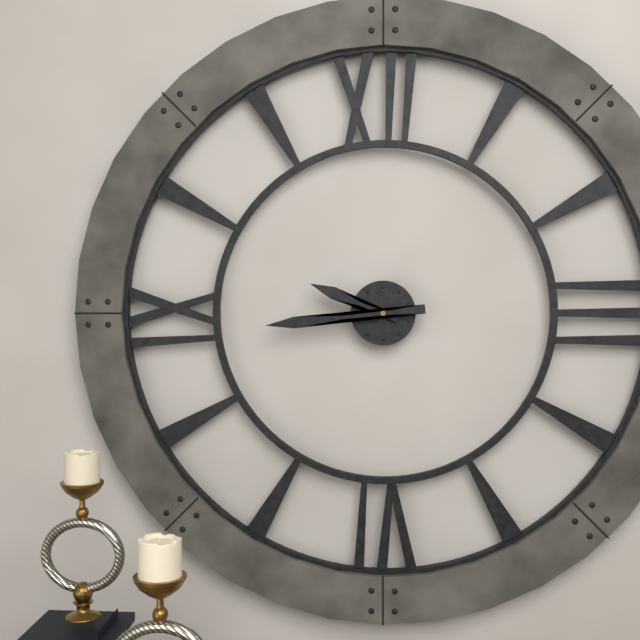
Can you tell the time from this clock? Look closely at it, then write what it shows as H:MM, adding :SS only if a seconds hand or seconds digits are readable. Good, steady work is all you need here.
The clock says 9:44
